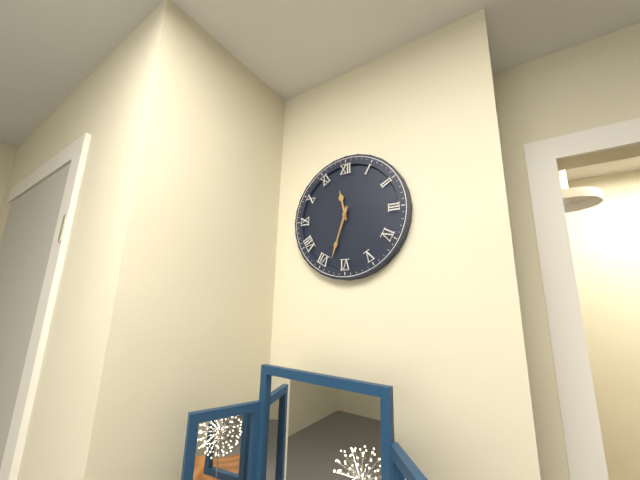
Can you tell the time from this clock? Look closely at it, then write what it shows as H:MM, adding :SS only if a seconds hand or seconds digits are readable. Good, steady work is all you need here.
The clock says 11:33
